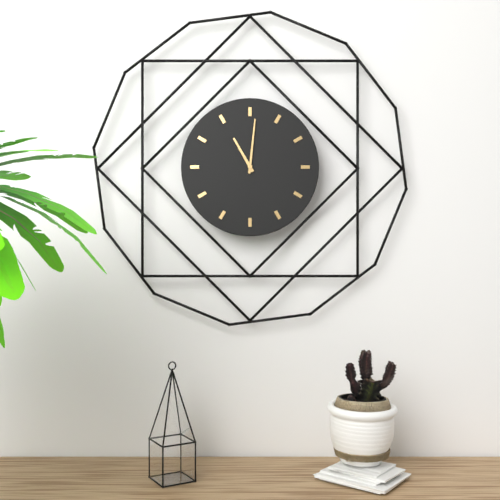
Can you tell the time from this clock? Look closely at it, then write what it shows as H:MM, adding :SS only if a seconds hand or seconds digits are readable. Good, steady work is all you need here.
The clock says 11:01
